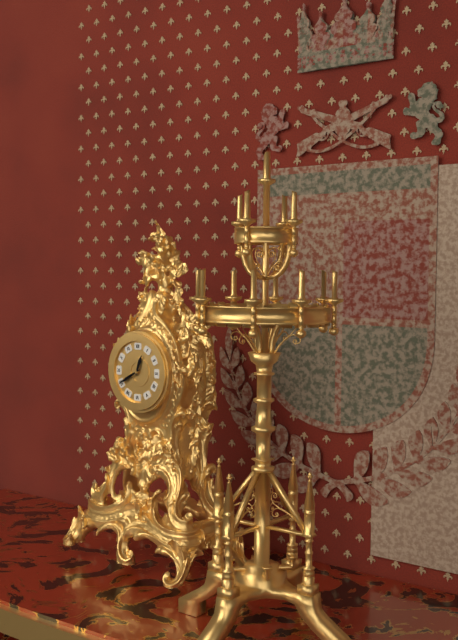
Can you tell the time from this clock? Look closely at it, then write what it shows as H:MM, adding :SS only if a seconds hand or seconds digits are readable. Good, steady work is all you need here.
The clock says 12:40
